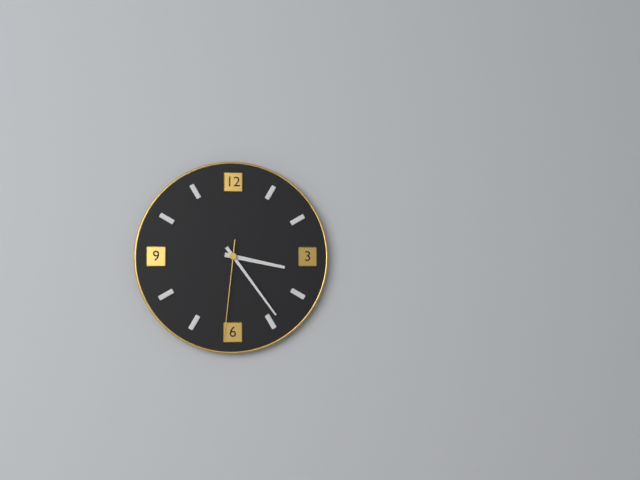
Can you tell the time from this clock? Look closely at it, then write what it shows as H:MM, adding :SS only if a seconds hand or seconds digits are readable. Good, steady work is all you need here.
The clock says 3:24:31
